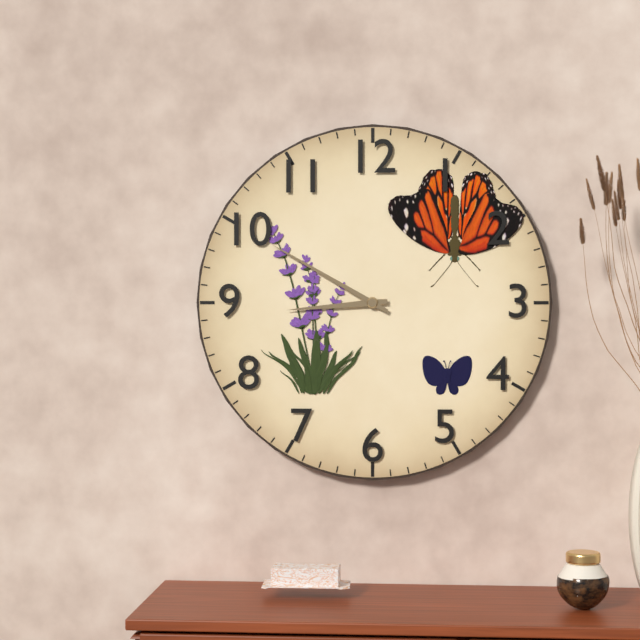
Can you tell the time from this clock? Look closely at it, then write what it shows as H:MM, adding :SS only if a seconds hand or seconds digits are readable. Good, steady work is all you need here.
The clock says 8:50
